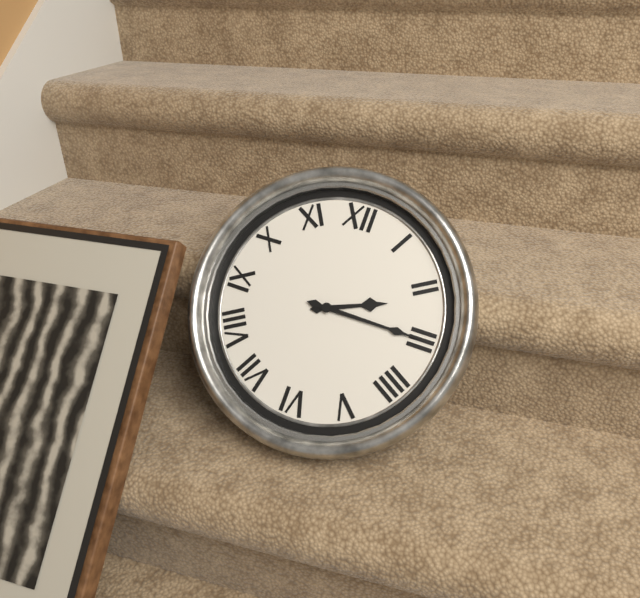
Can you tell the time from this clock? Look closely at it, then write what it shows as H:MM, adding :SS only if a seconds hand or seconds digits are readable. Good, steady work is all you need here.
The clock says 2:15
